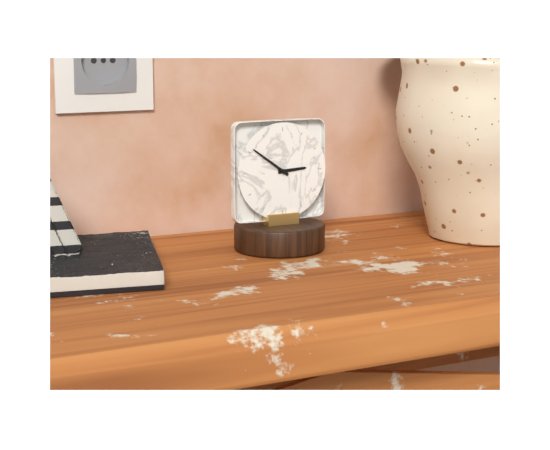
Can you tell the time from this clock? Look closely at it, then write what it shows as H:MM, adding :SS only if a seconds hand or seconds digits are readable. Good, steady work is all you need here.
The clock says 2:51
